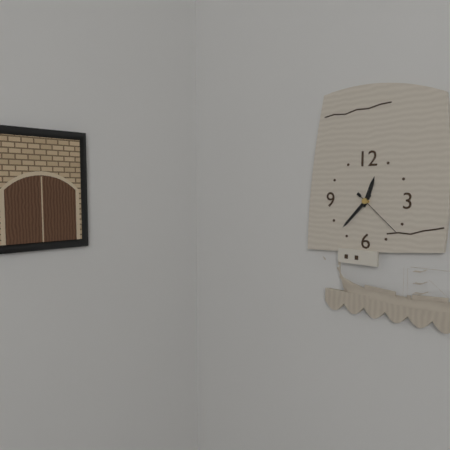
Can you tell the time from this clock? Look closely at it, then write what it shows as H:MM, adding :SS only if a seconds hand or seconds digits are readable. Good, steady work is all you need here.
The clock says 12:37:22
